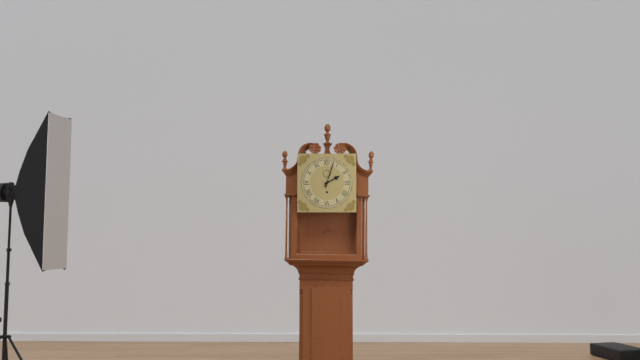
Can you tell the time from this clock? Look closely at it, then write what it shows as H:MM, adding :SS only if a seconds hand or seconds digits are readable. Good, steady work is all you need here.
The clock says 2:03
